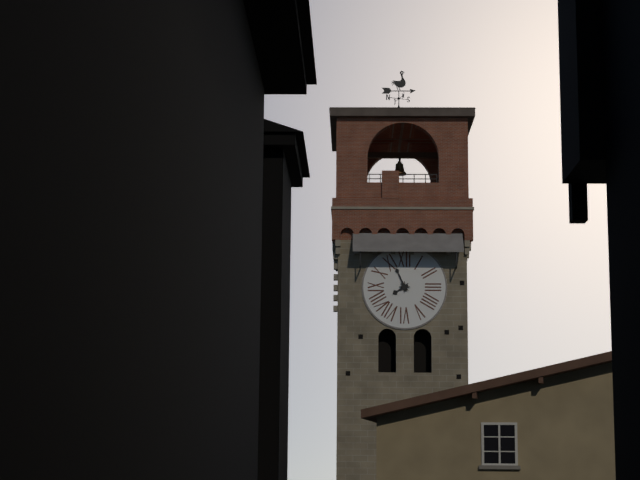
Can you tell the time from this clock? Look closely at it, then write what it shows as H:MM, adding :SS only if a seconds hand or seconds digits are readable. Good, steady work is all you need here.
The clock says 7:56
